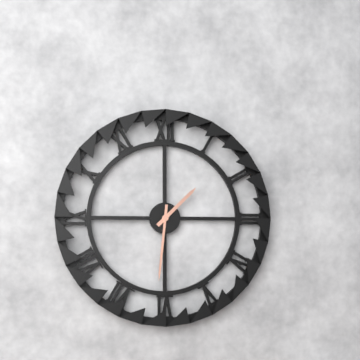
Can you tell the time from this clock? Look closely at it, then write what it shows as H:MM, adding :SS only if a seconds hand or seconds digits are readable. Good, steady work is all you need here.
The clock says 1:31
